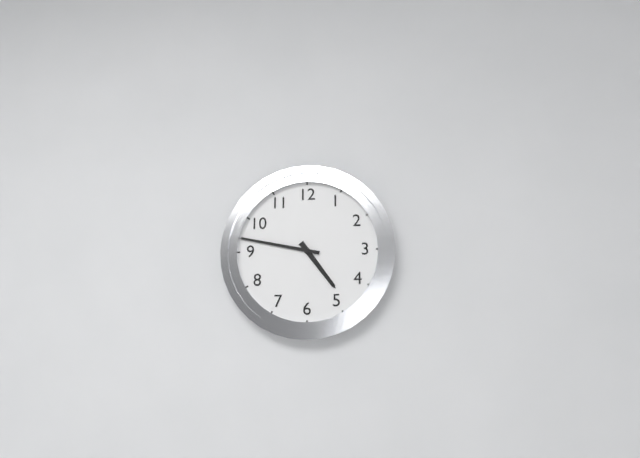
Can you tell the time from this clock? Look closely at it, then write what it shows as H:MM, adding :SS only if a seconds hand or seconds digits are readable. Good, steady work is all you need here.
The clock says 4:47
